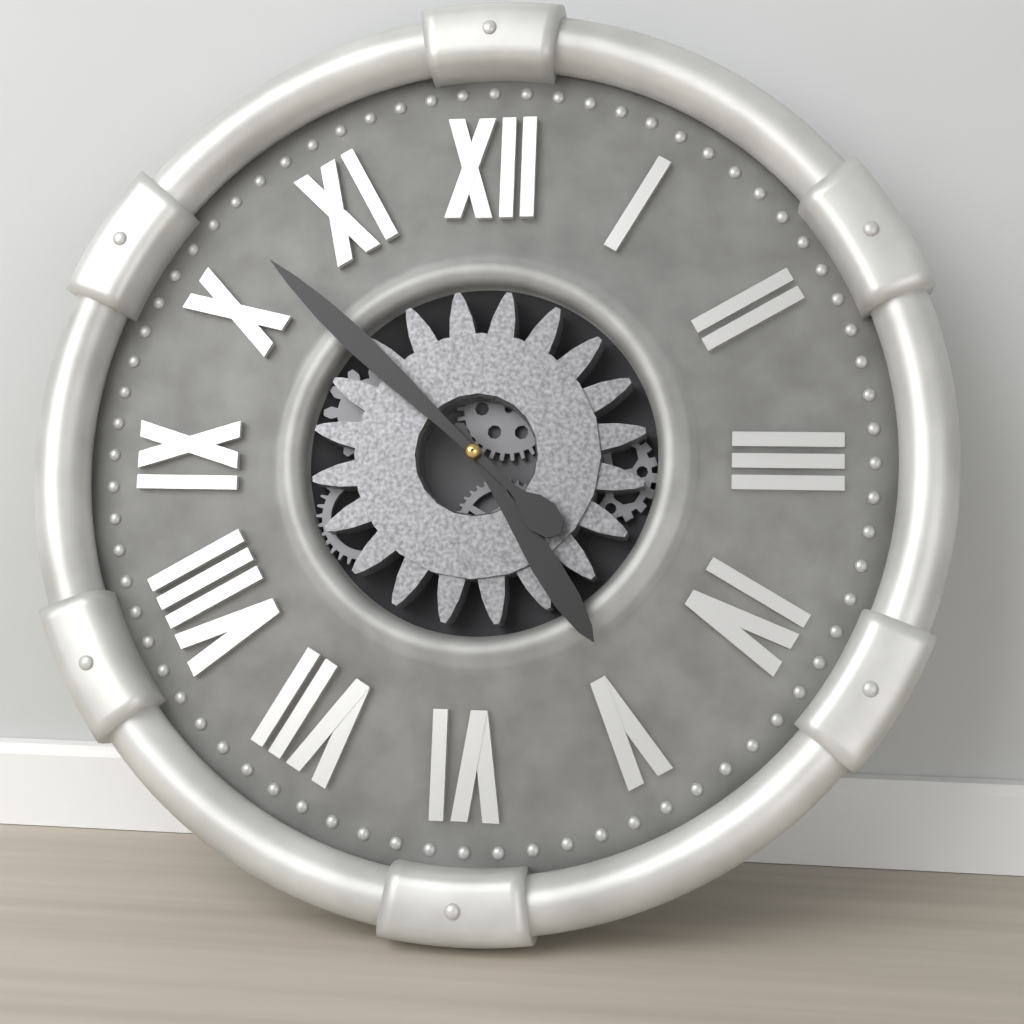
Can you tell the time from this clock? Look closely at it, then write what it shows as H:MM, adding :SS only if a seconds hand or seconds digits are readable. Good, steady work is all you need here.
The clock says 4:52
